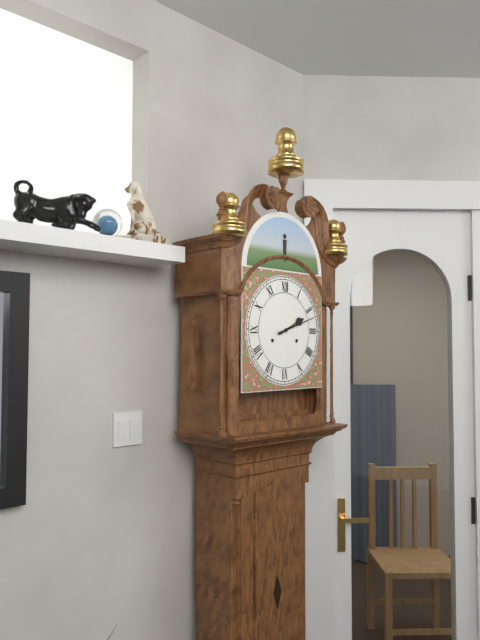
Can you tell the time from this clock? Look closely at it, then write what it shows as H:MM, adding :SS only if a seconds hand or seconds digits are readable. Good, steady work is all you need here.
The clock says 2:12
